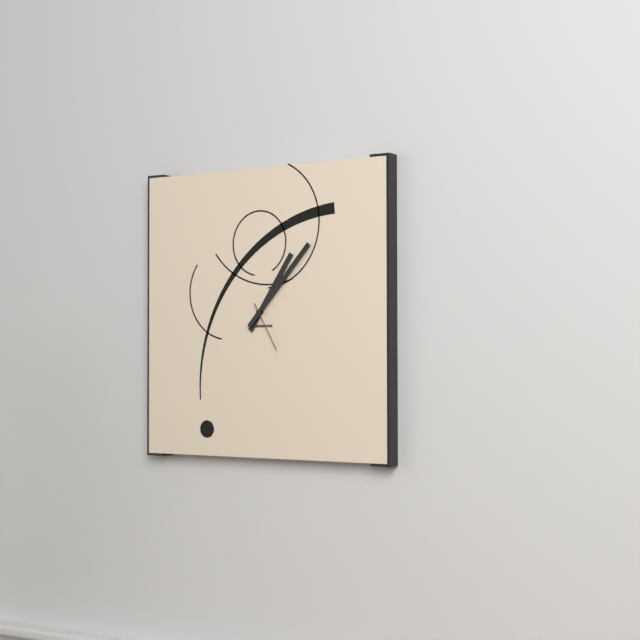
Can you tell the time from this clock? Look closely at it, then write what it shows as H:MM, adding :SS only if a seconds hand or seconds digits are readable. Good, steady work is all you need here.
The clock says 1:07:25
